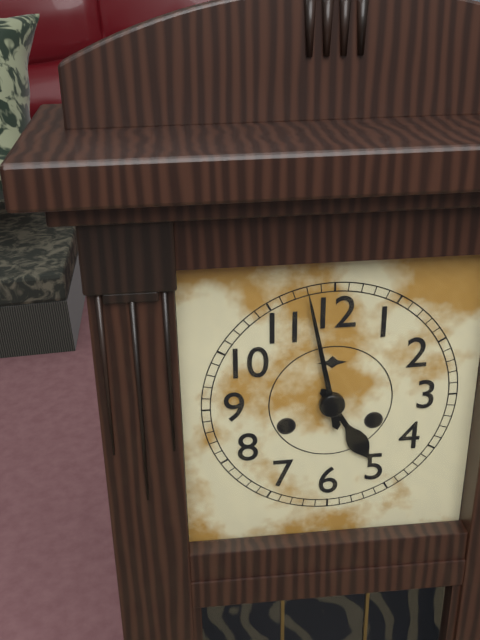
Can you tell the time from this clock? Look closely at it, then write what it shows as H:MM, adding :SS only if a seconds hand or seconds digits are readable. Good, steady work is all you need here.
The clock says 4:58
